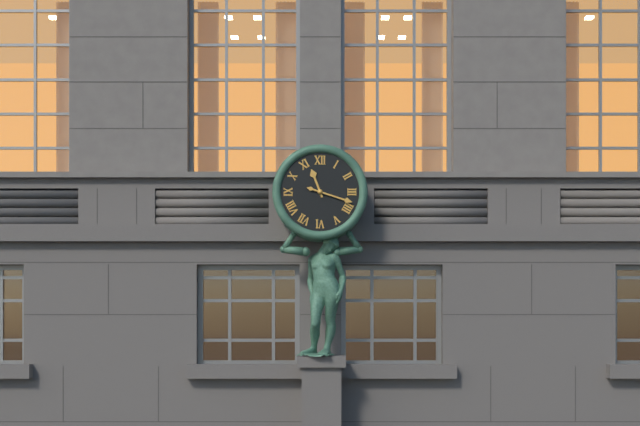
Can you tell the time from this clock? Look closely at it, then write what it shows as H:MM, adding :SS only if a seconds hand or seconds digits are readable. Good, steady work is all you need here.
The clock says 11:18
